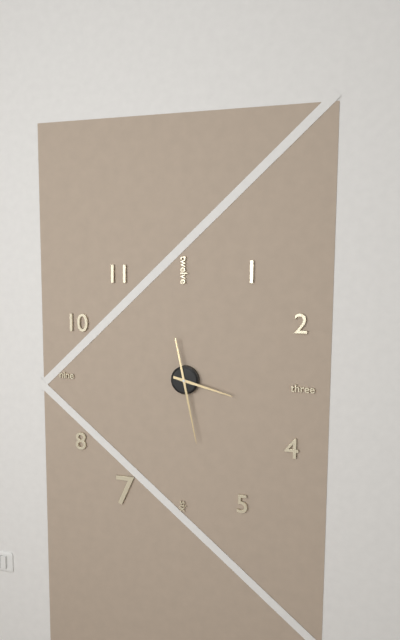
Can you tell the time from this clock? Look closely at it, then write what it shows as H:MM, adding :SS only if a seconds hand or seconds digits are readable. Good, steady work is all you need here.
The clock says 3:28
